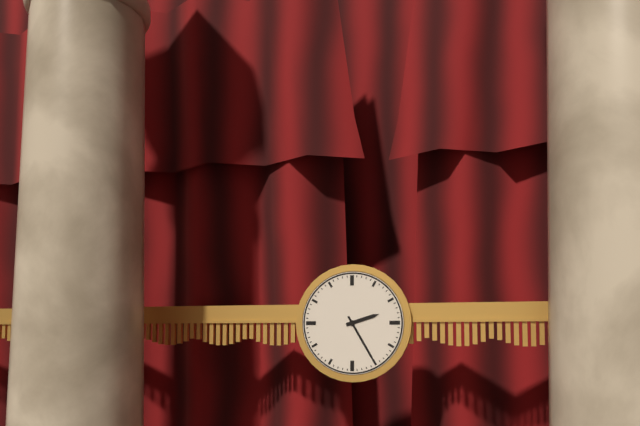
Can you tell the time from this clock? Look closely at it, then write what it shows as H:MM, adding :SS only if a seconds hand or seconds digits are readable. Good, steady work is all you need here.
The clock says 2:25
